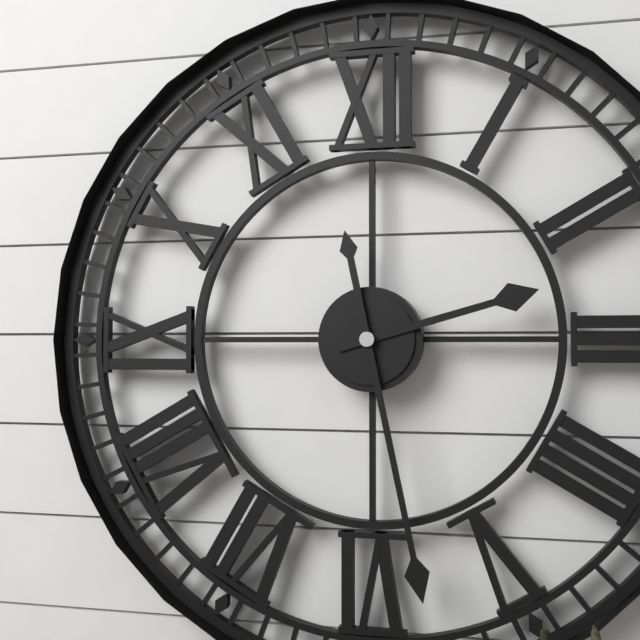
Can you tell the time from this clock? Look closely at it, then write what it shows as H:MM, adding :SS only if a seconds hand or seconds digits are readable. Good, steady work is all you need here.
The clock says 2:28
